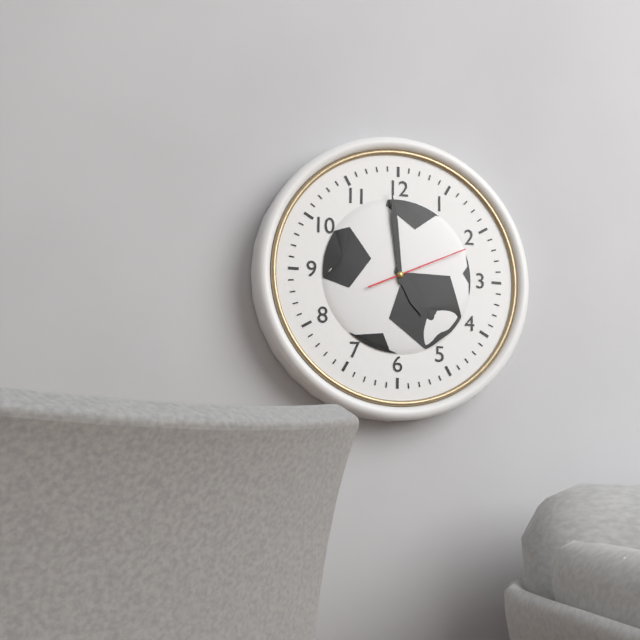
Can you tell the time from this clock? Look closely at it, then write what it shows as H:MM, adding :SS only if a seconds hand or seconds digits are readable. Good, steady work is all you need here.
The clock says 4:59:11
